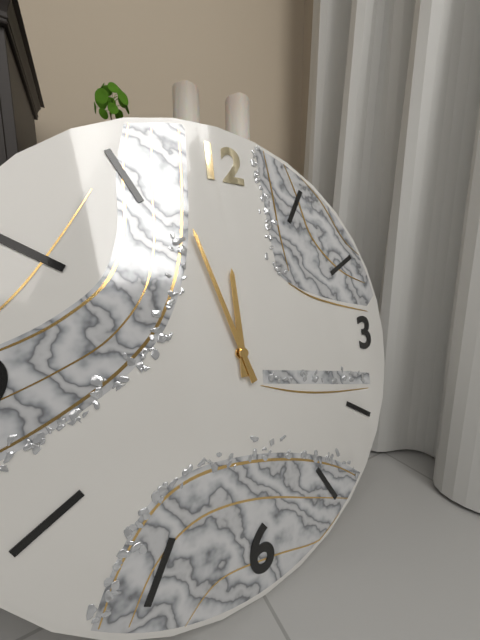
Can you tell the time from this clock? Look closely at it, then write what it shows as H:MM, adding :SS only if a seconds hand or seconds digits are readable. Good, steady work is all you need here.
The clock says 11:57
